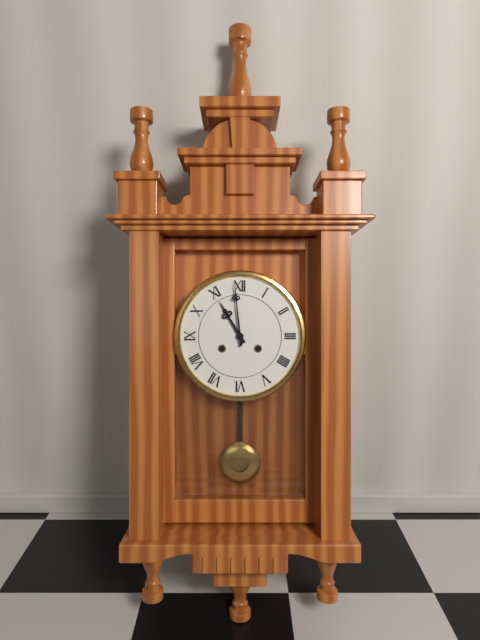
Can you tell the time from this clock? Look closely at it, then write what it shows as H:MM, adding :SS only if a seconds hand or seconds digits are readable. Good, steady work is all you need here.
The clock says 10:59
